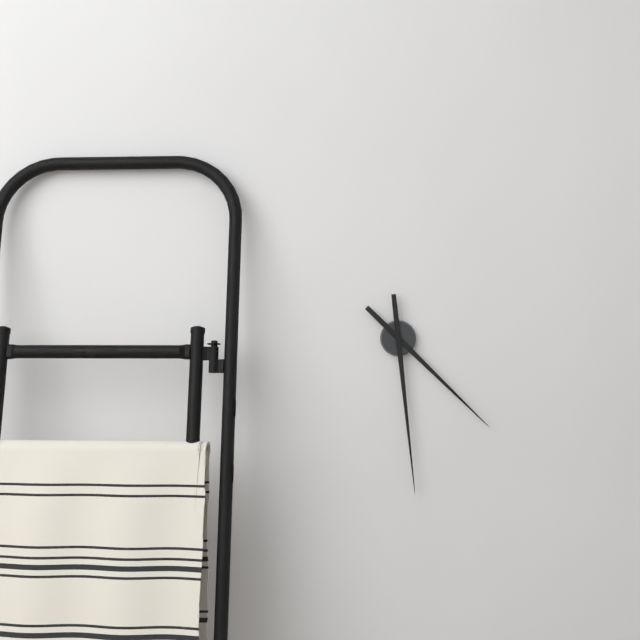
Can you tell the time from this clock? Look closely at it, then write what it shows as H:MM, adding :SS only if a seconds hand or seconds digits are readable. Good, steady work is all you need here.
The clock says 4:29
